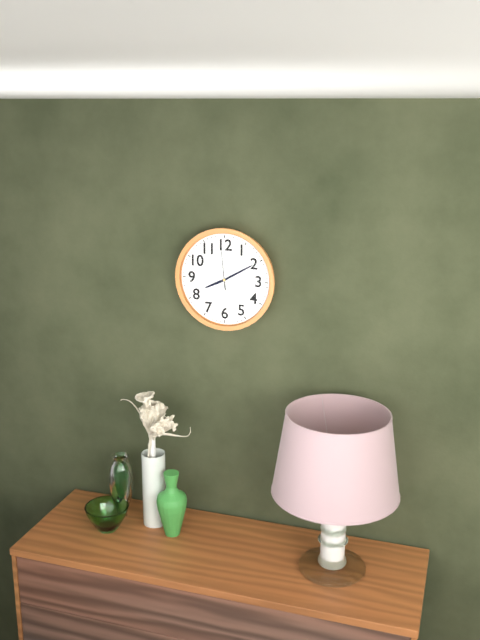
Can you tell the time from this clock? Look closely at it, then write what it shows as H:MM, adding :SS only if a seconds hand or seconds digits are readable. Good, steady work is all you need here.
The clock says 8:10
